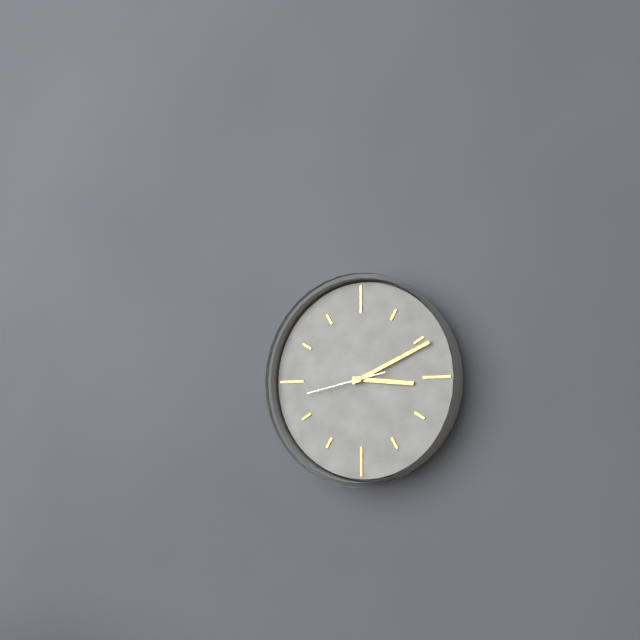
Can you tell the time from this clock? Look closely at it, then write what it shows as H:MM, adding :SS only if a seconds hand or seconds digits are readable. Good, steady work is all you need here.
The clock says 3:11:43
